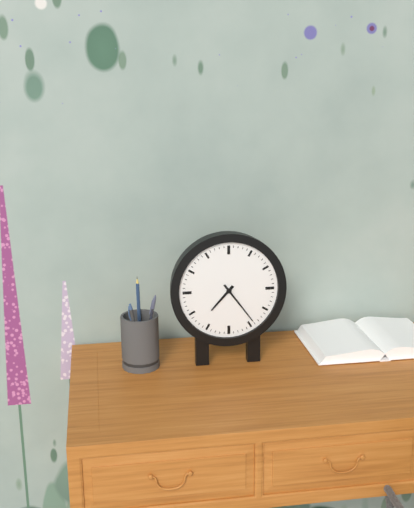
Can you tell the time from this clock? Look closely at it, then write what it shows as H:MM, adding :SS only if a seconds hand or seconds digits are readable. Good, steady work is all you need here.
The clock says 7:24
